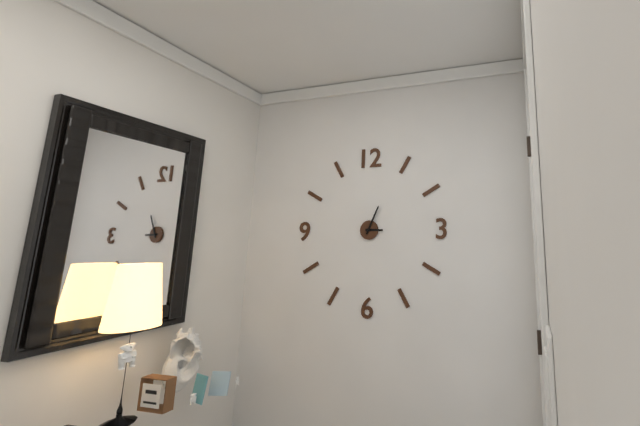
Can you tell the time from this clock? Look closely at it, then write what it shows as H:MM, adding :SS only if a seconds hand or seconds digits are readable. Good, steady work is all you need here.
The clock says 3:04
